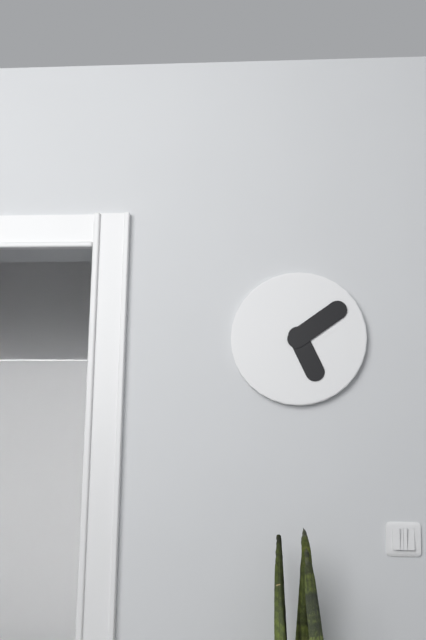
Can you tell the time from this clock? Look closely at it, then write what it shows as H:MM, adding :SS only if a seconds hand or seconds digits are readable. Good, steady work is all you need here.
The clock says 5:09
